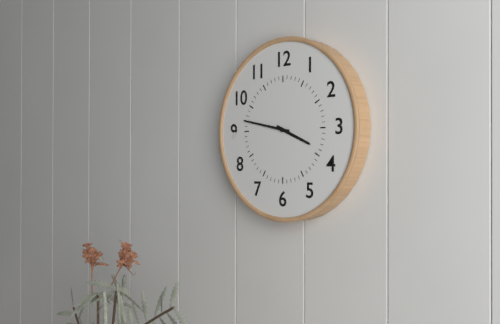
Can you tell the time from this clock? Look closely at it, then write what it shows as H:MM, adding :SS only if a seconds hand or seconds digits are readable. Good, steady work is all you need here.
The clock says 3:47
